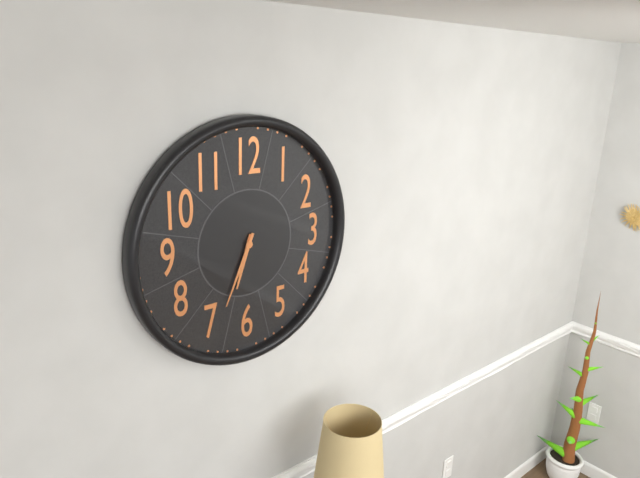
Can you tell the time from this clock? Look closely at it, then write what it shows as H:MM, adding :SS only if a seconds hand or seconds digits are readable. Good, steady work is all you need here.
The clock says 6:34
